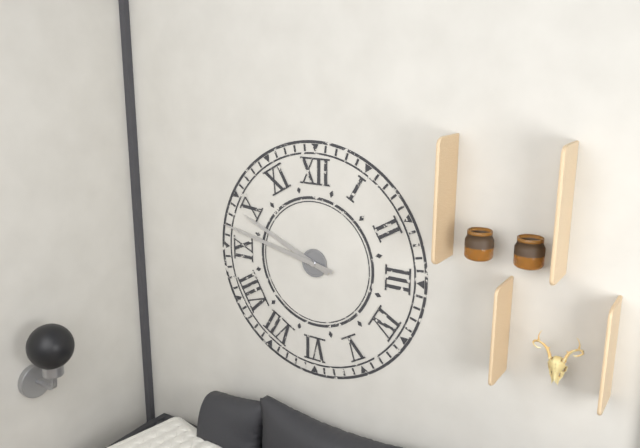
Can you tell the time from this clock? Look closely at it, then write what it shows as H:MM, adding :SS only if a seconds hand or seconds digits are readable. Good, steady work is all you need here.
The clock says 9:47
